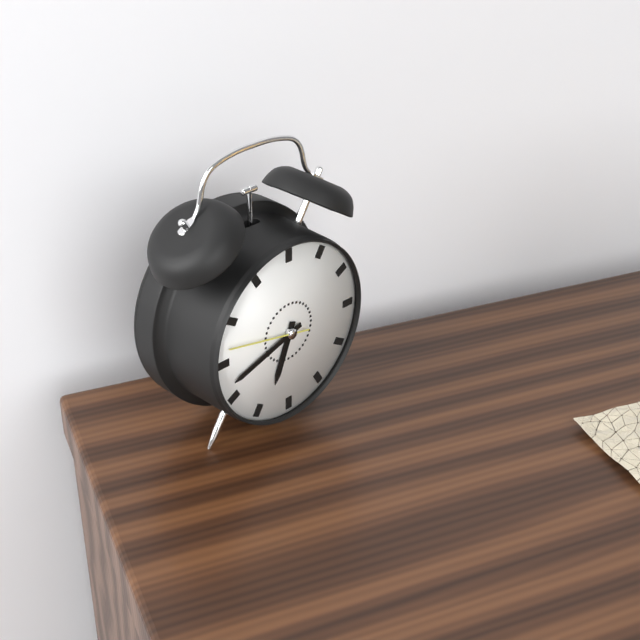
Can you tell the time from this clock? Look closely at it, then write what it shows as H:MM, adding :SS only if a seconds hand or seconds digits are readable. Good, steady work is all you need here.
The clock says 6:42:47
